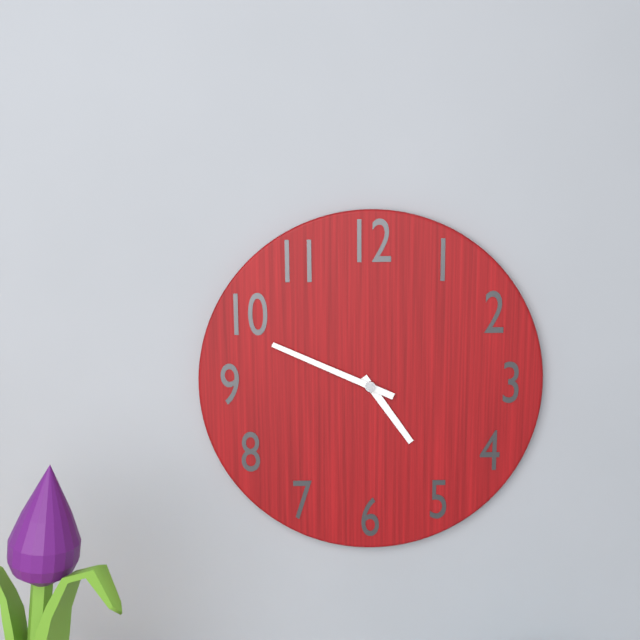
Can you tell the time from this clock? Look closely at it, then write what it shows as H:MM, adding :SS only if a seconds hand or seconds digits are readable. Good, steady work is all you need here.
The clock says 4:49
